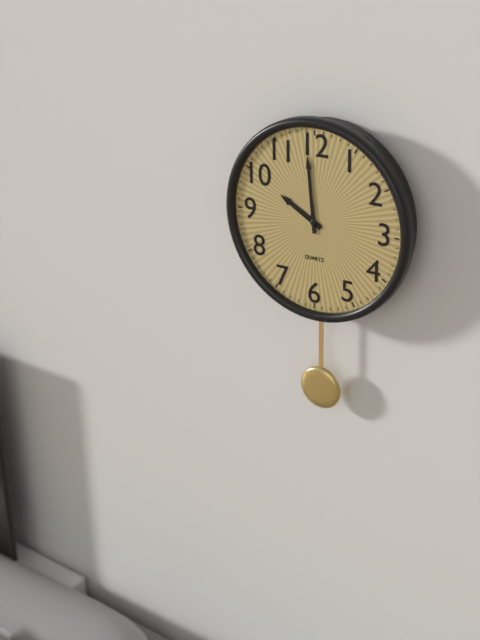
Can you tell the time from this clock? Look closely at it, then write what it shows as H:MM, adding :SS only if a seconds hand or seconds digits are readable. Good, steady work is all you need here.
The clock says 9:59
